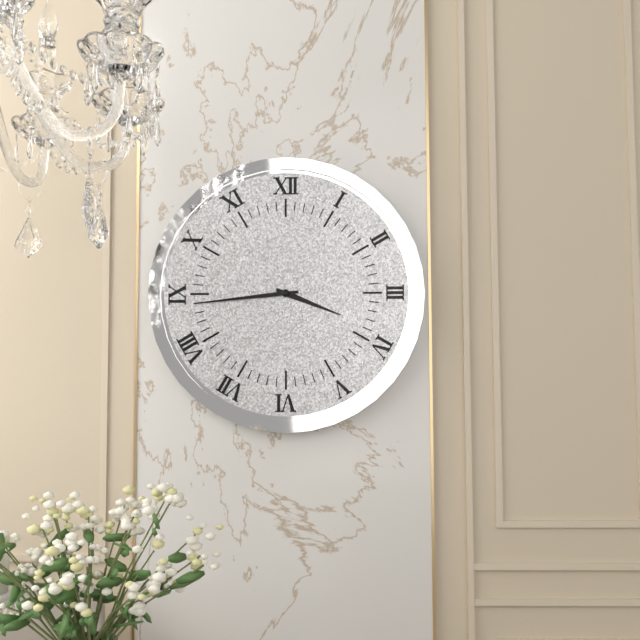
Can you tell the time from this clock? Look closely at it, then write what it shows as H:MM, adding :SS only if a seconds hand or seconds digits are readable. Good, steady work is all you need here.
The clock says 3:44
